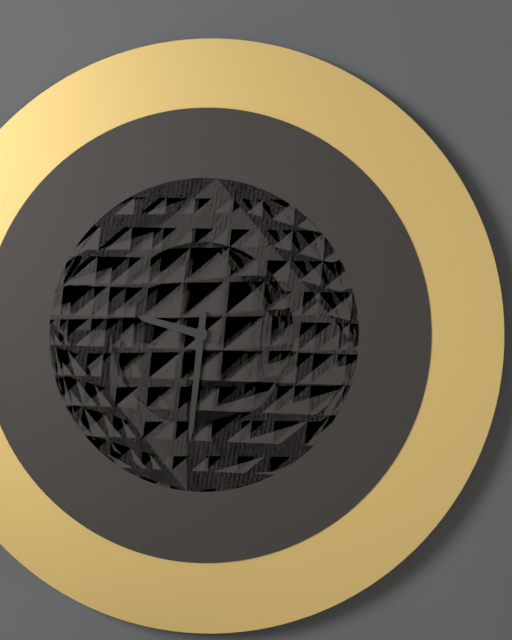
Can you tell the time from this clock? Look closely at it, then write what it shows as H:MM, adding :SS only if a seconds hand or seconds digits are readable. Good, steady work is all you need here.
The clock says 9:31
